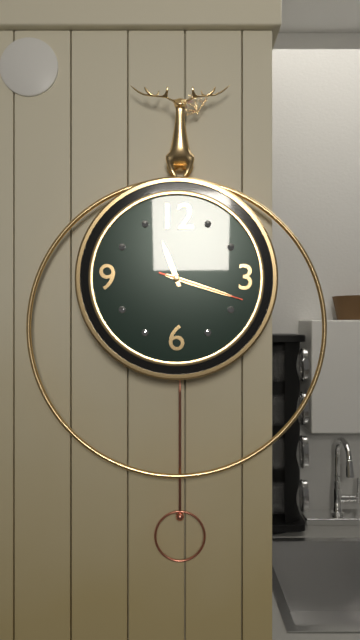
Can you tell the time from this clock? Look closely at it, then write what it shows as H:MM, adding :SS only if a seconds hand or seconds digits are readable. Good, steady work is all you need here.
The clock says 11:18:18
